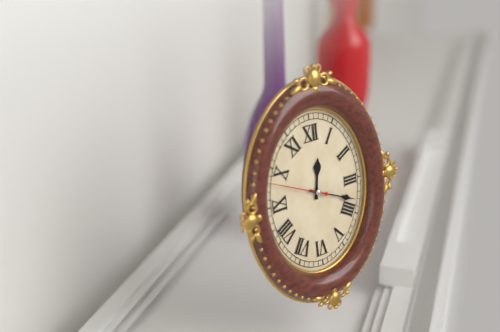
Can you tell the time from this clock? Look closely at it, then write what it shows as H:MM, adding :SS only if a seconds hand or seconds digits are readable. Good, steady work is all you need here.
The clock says 12:19:49
